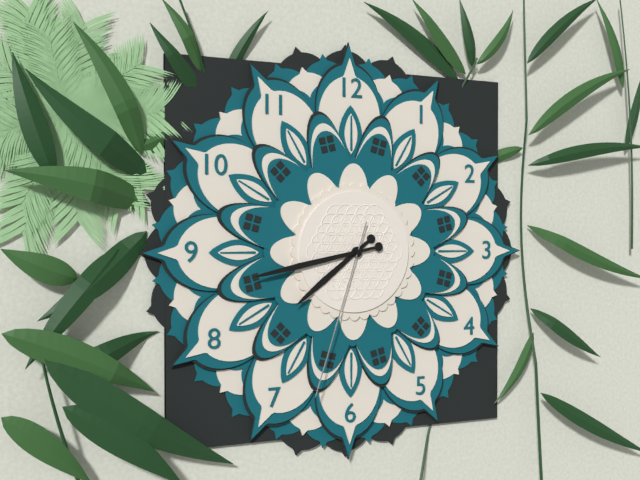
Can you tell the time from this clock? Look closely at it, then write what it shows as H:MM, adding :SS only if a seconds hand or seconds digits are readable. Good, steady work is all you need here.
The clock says 7:43:33
